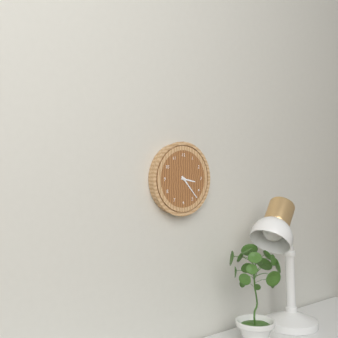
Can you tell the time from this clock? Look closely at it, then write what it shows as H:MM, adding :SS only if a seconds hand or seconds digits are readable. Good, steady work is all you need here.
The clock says 3:23
